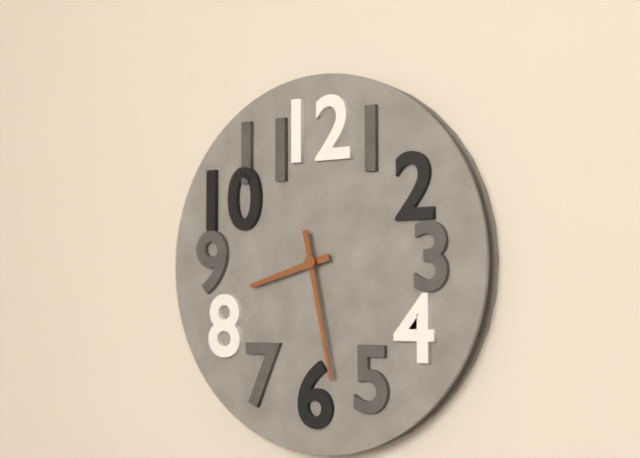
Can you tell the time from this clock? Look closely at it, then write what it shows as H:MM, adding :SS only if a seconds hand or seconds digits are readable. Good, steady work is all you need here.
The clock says 8:28
